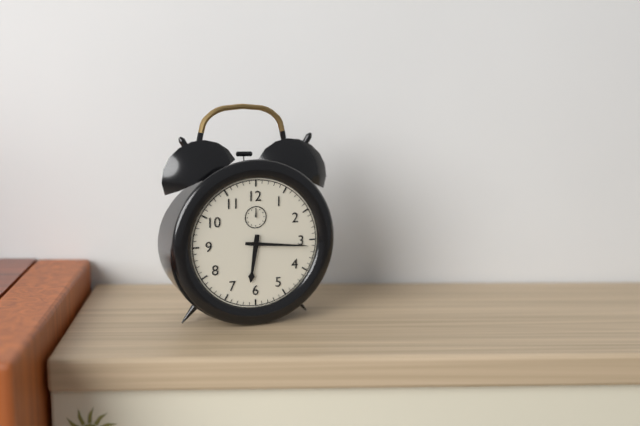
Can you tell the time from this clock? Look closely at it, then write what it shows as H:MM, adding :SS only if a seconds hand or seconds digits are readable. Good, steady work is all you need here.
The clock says 6:16
